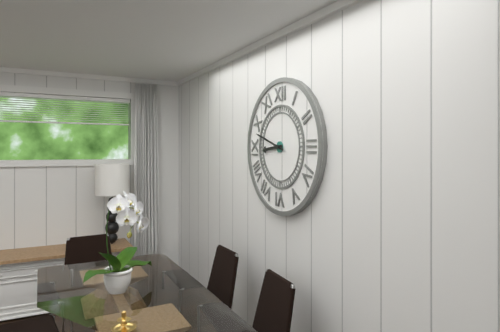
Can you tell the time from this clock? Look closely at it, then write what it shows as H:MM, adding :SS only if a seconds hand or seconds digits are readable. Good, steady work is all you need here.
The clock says 8:48
